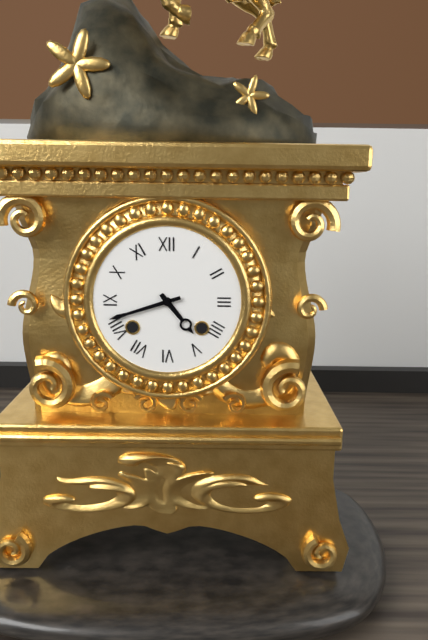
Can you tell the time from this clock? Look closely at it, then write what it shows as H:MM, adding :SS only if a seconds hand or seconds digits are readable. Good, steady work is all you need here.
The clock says 4:42
